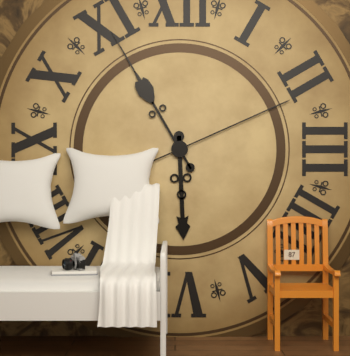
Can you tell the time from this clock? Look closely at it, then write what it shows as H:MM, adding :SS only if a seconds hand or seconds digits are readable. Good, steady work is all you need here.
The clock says 5:55:11
